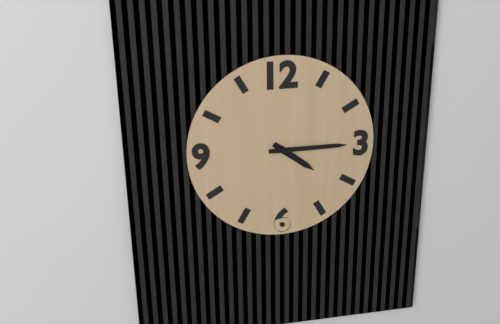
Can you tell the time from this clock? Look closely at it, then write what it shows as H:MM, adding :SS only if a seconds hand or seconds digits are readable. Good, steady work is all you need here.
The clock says 4:15
